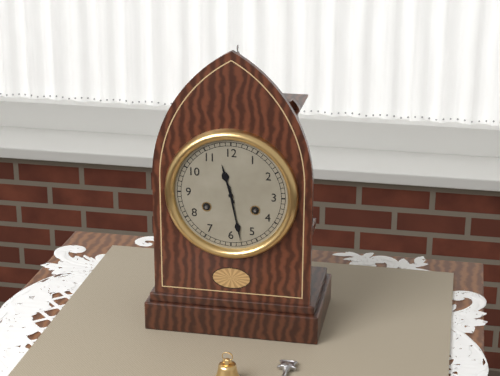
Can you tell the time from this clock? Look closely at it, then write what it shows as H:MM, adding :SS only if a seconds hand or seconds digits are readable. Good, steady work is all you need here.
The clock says 11:28
